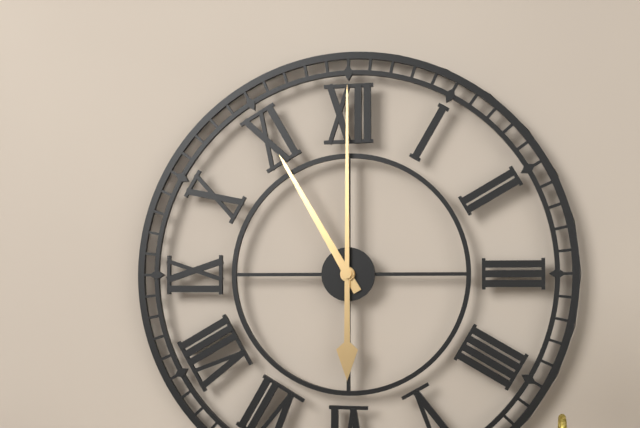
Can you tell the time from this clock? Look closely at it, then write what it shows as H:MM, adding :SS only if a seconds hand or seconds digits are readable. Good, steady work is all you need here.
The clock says 11:00
